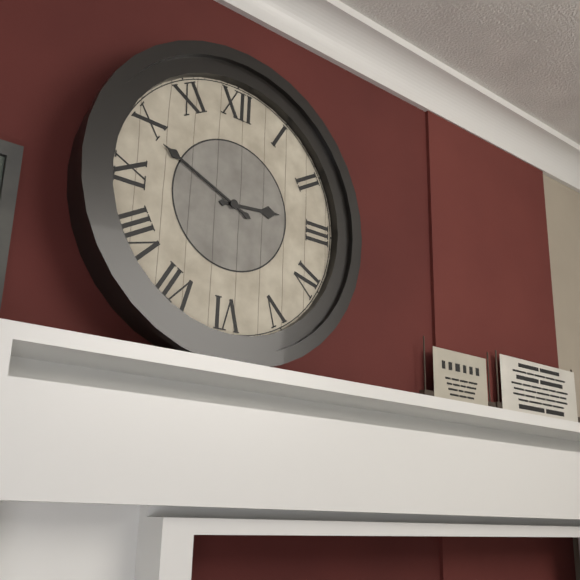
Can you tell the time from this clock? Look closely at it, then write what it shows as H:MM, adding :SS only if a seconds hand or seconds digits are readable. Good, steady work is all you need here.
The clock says 2:49
